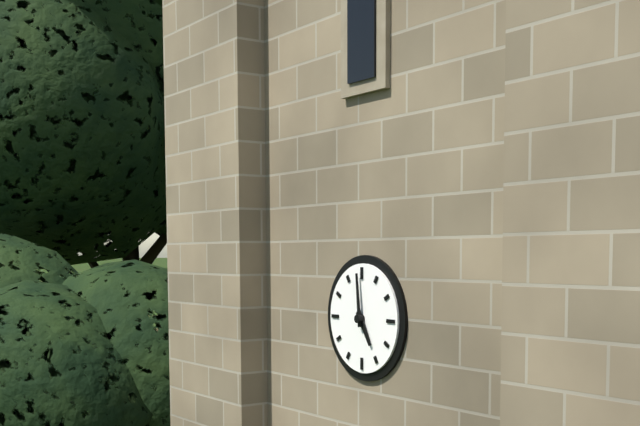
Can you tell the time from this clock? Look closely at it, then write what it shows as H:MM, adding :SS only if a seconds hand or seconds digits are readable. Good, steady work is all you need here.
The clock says 4:59
